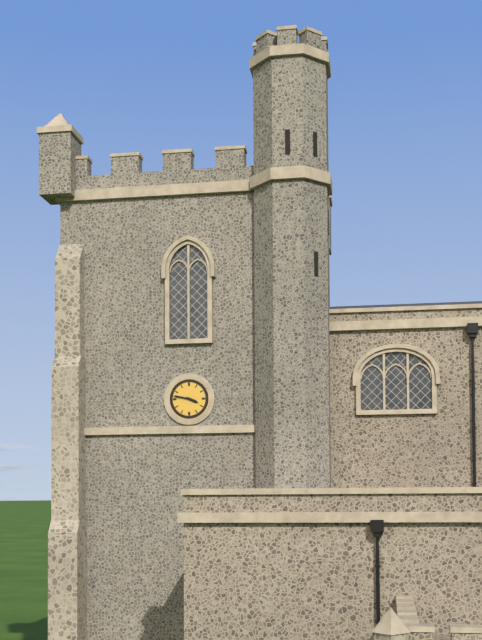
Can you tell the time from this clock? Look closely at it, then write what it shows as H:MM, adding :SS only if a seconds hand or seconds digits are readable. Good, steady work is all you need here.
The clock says 3:47
